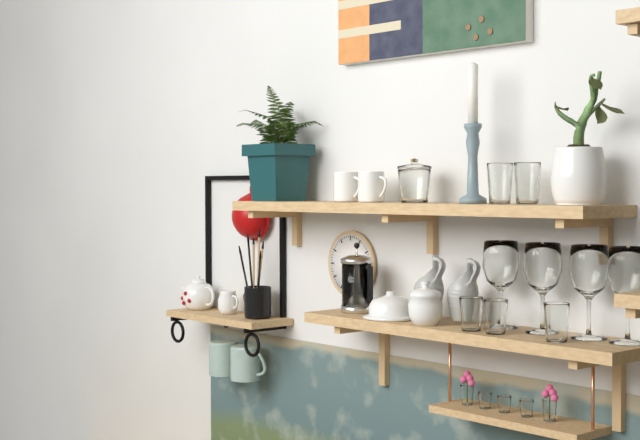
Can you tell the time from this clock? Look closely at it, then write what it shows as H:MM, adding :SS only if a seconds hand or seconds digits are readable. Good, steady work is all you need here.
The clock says 4:30
